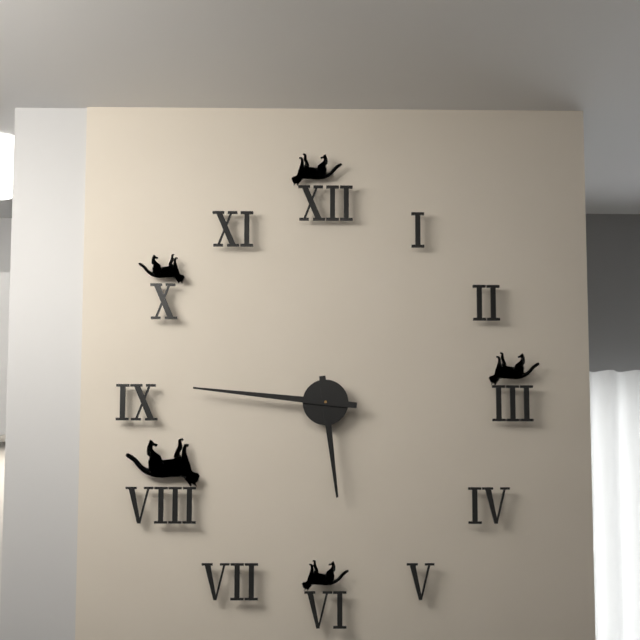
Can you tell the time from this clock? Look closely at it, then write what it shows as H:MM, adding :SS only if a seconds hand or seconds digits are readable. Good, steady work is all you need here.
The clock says 5:46
